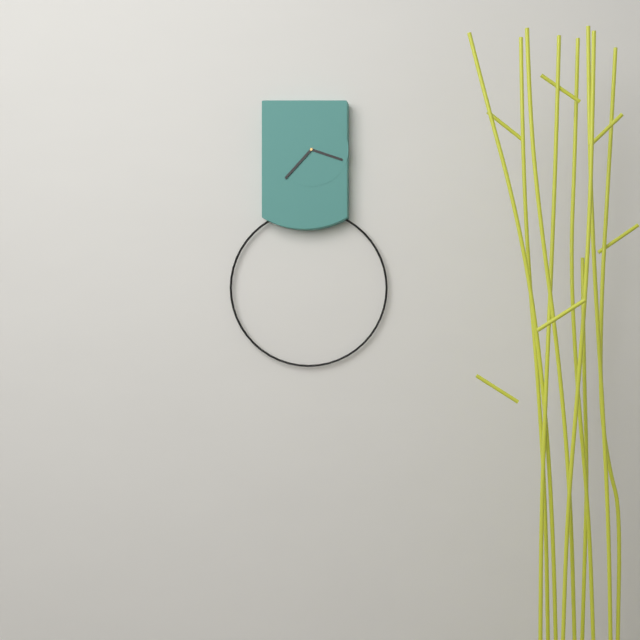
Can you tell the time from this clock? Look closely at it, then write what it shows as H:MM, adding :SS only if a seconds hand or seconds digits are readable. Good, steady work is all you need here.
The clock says 3:37
